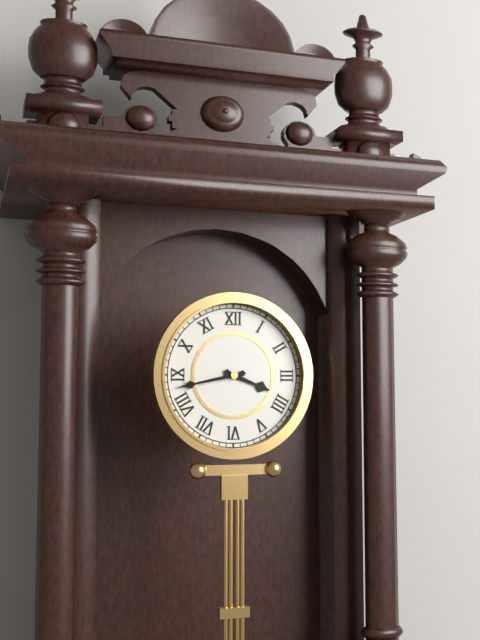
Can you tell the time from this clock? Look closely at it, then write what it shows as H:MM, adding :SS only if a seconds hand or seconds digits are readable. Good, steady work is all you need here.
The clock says 3:43
